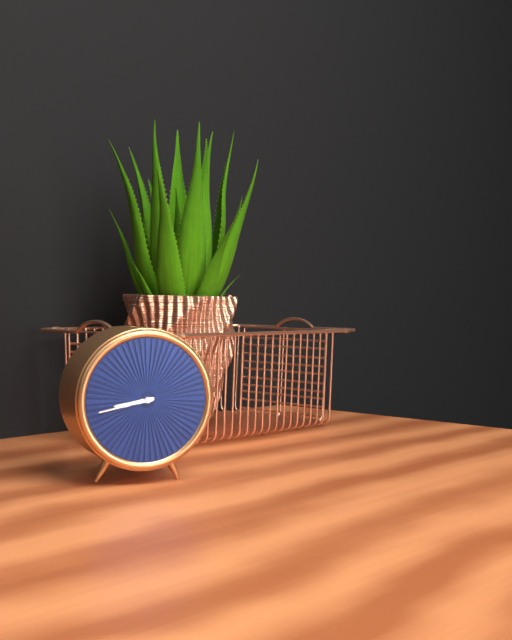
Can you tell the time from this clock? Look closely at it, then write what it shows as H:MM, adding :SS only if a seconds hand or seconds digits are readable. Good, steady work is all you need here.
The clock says 8:43
